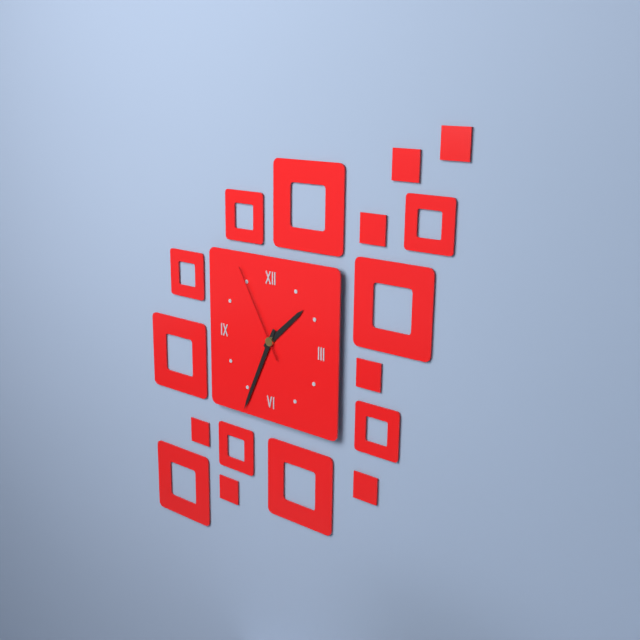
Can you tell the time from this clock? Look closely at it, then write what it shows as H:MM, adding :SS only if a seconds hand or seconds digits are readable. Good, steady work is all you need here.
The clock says 1:34:55
